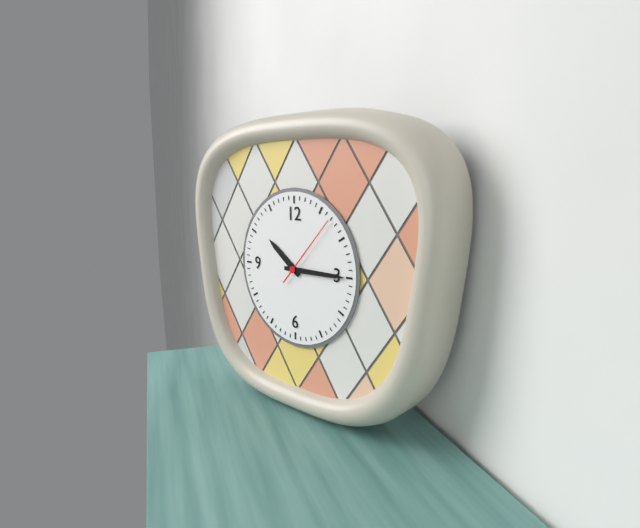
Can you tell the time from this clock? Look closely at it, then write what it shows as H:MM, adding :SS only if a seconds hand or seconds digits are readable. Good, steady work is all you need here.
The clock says 10:15:07
